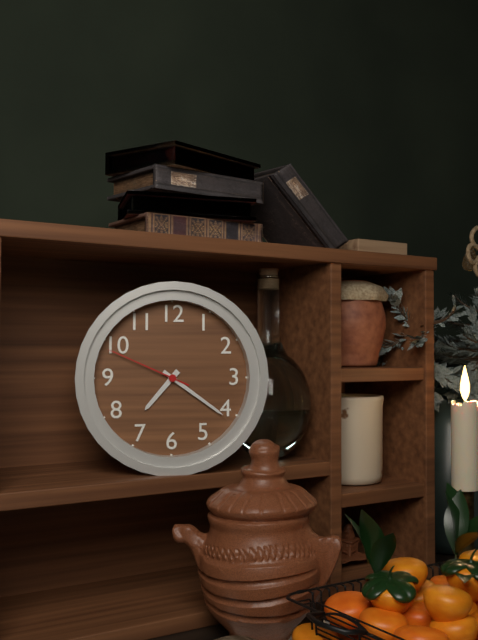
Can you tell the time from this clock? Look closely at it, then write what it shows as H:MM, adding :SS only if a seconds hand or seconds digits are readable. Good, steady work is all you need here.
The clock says 7:21:49
